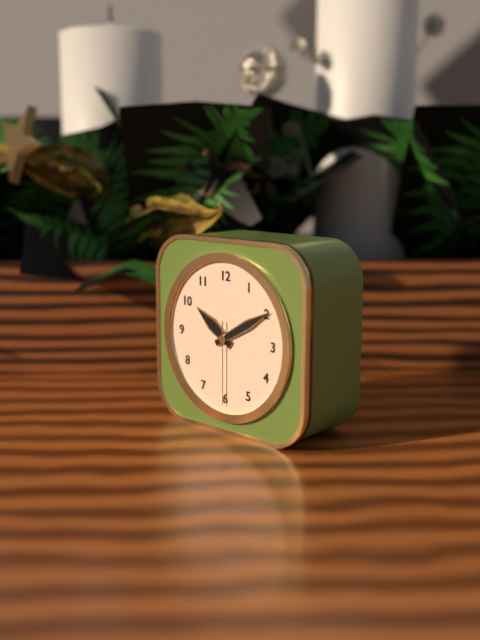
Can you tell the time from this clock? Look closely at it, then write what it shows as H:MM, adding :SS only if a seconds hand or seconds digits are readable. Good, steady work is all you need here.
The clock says 10:10:30
